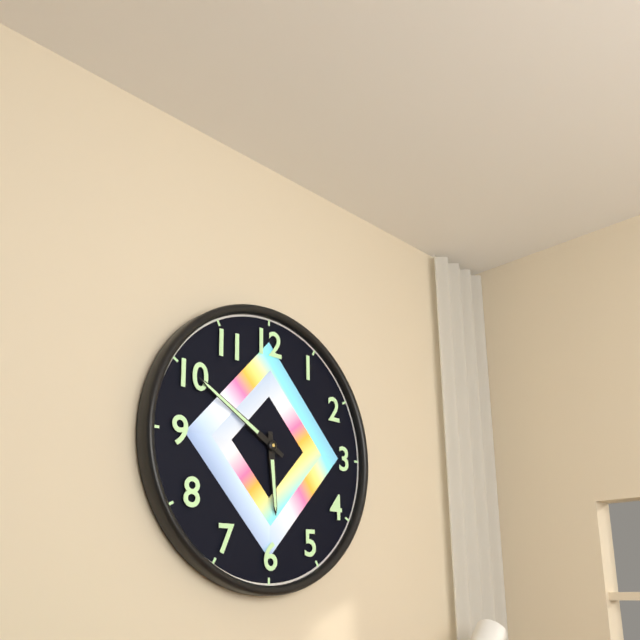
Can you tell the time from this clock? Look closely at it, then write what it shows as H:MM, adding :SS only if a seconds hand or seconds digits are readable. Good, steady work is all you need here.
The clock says 5:50
